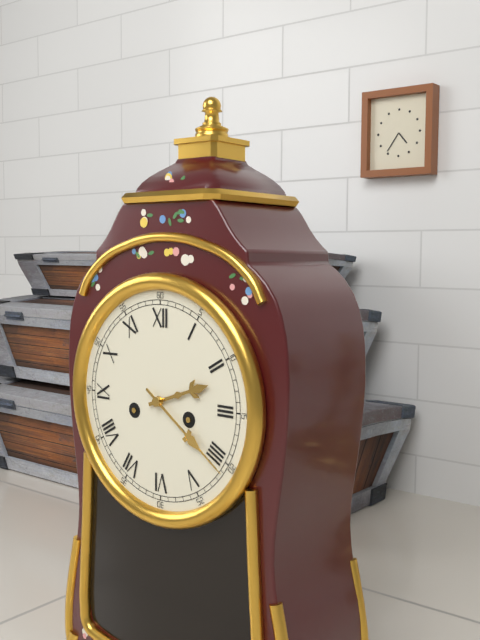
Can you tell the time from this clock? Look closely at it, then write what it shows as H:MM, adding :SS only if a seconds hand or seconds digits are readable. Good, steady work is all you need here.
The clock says 2:21
